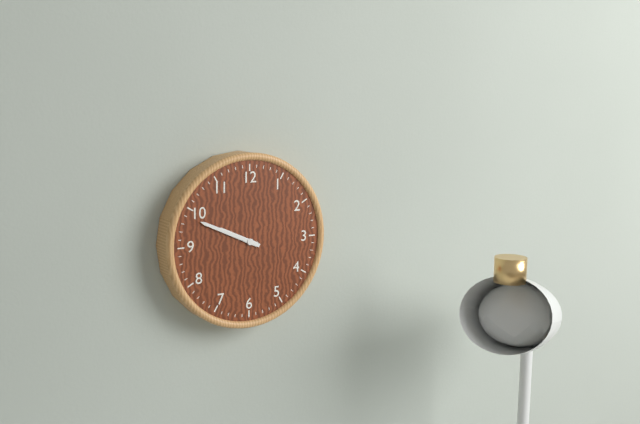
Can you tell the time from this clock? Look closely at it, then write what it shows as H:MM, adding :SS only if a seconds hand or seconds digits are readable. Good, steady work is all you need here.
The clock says 9:49
